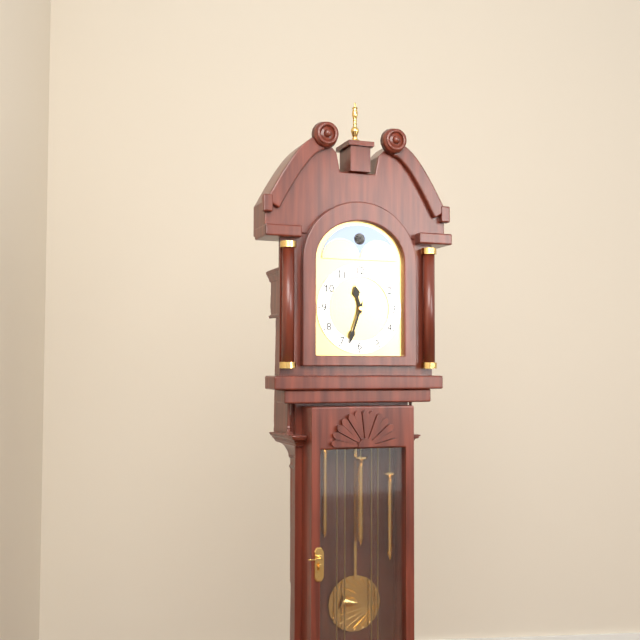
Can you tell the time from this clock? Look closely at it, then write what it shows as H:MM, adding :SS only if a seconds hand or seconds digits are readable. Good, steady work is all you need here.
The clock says 11:33
